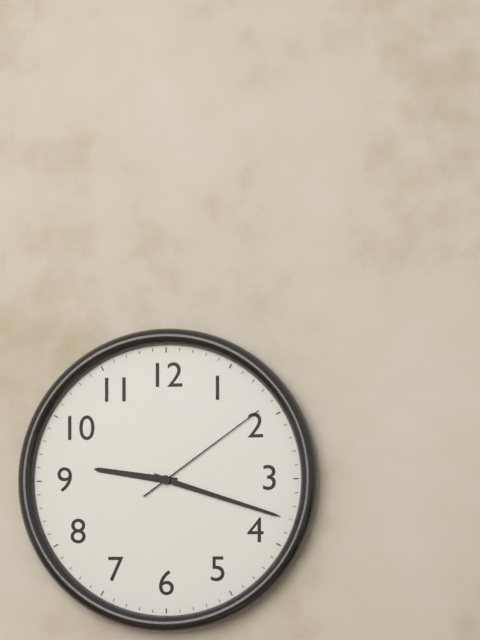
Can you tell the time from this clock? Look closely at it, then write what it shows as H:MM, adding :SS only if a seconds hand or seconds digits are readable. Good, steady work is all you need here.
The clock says 9:18:09
